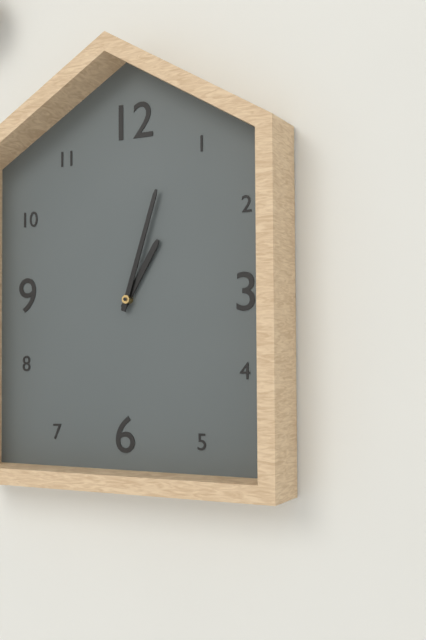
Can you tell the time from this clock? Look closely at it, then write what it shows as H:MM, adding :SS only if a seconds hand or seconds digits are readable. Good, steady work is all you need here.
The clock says 1:03
